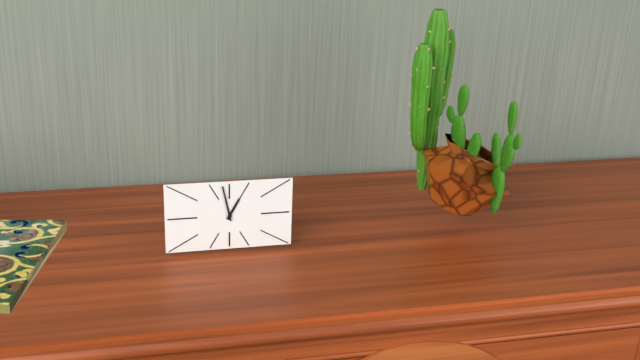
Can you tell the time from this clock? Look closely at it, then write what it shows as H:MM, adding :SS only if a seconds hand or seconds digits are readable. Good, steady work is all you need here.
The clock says 12:58
